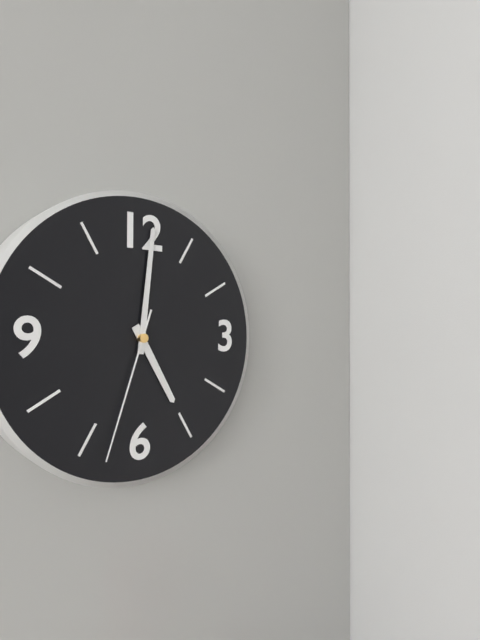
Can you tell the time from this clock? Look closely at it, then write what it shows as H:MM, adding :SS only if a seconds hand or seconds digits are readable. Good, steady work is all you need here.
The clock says 5:01:33
